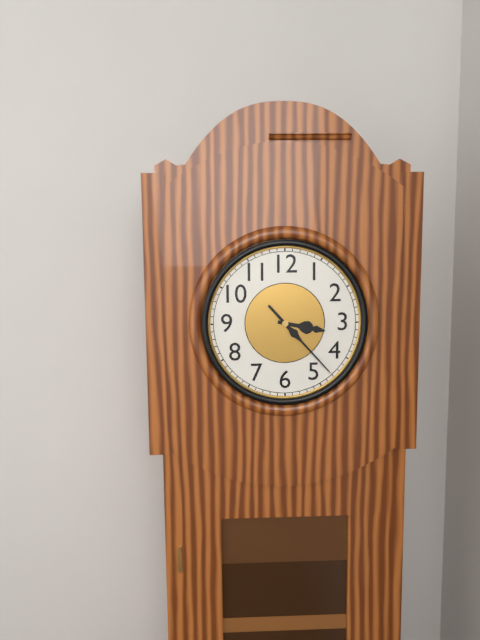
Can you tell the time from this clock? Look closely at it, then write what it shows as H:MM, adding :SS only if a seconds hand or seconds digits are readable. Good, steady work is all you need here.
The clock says 3:23
